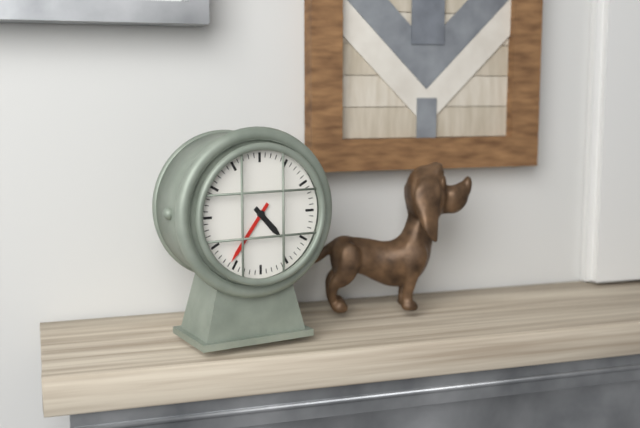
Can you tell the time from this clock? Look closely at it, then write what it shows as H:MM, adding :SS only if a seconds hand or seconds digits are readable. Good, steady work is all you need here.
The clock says 4:36
